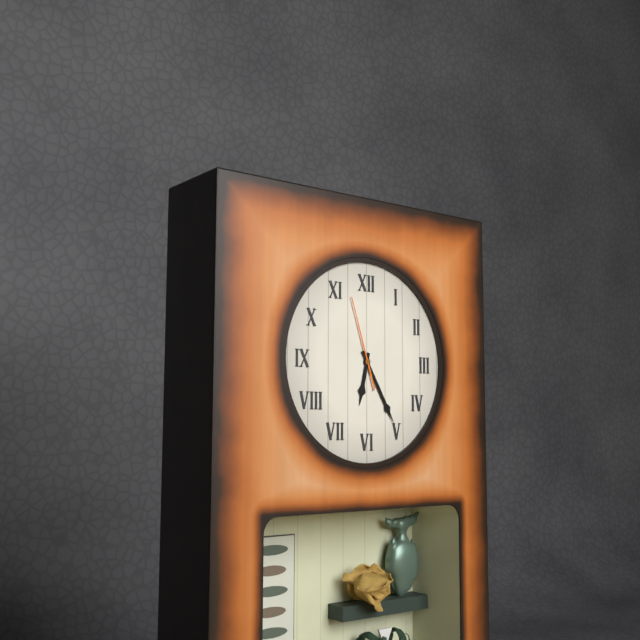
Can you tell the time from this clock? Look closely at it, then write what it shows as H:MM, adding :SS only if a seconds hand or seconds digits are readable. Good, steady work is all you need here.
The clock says 6:25:57
